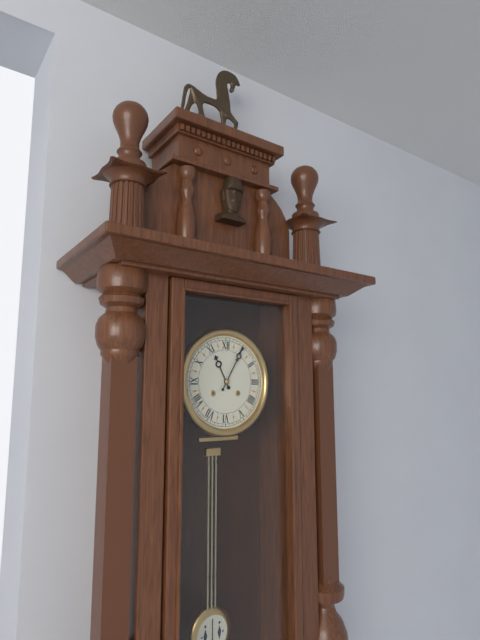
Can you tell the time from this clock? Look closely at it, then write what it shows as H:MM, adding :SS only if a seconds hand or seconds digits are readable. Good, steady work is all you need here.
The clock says 11:05
